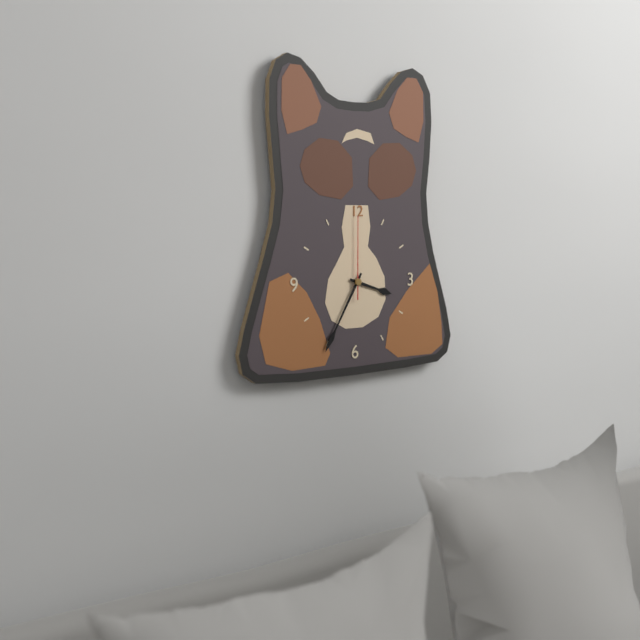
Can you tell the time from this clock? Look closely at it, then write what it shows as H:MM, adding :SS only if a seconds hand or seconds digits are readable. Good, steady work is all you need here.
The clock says 3:35:00
